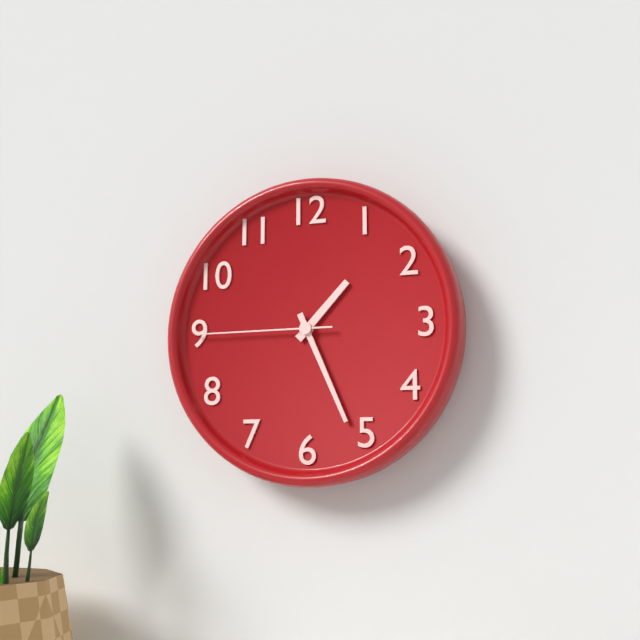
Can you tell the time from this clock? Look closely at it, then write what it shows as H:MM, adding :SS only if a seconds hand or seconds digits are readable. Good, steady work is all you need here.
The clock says 1:26:45
